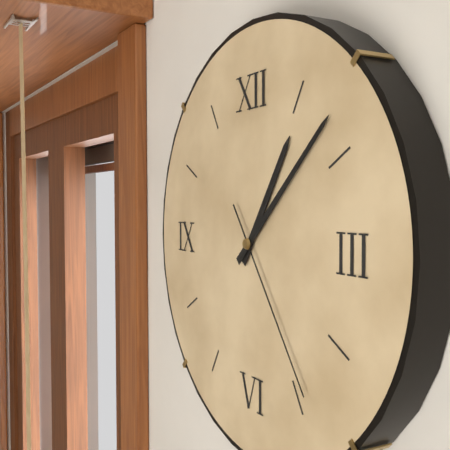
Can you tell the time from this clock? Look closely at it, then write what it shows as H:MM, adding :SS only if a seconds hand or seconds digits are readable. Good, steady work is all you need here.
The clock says 1:08:24
